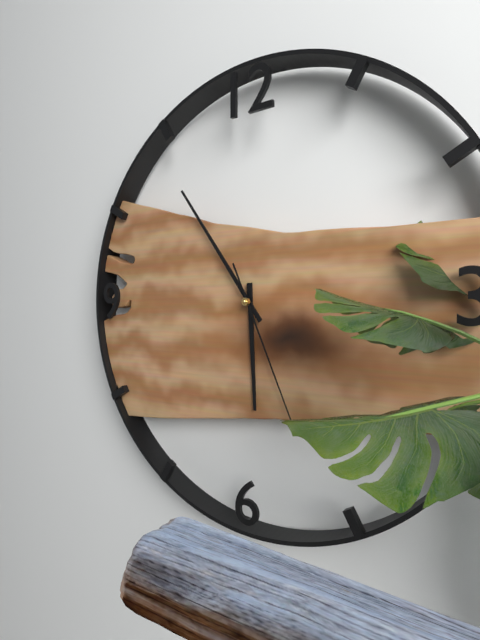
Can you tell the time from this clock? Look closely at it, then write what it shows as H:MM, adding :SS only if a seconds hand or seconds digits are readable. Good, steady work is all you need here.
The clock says 5:54:26
